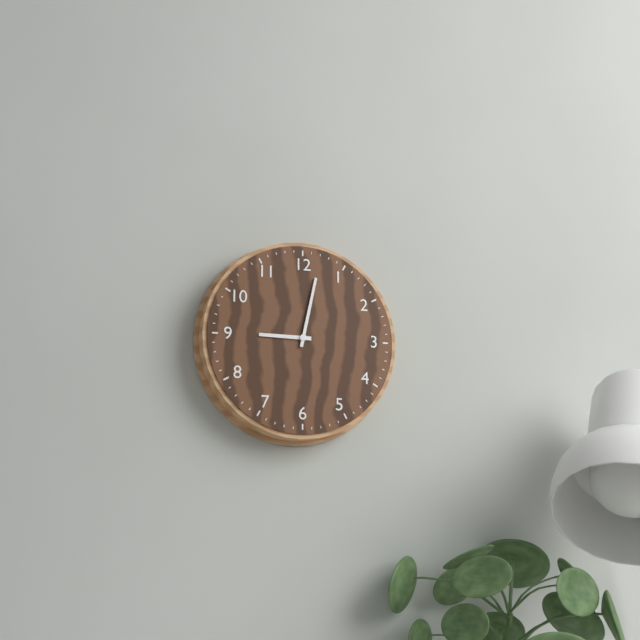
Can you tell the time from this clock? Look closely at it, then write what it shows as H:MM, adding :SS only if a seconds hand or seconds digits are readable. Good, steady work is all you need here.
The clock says 9:02
